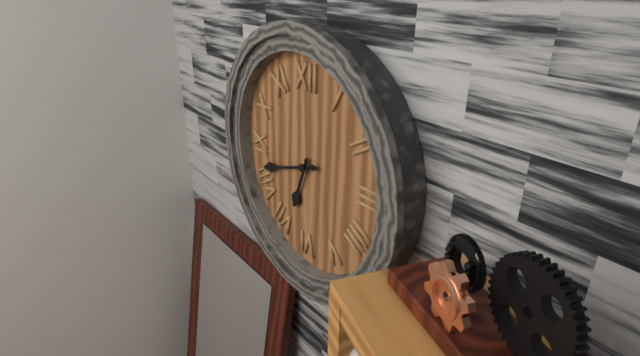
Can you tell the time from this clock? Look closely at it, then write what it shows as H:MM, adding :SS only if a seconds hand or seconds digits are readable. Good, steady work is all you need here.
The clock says 6:42
